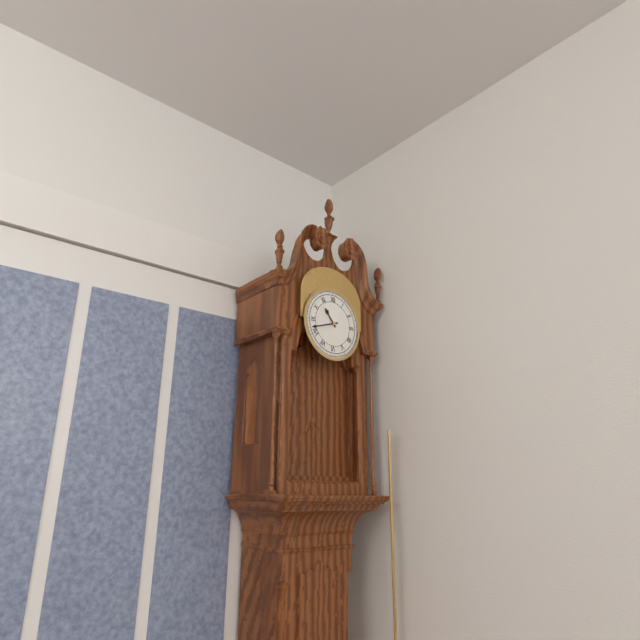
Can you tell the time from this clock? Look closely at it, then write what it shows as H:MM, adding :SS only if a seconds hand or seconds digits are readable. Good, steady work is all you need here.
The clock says 10:42
